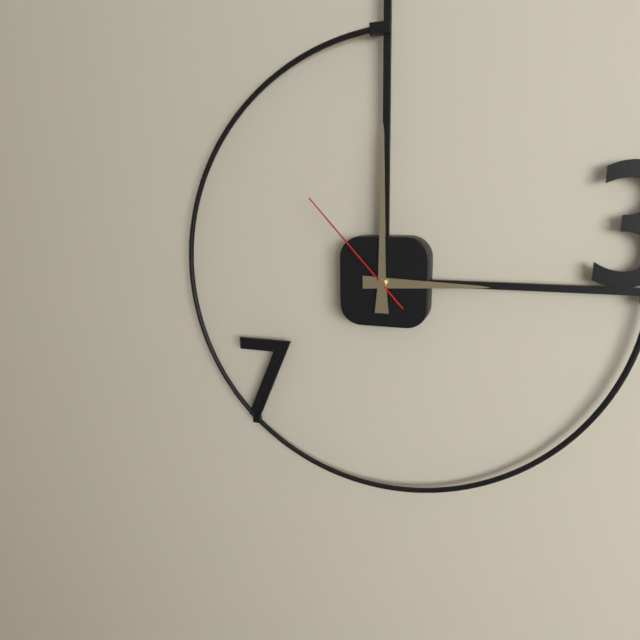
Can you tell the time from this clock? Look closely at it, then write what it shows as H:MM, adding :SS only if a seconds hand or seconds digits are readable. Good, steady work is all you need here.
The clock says 3:00:53
